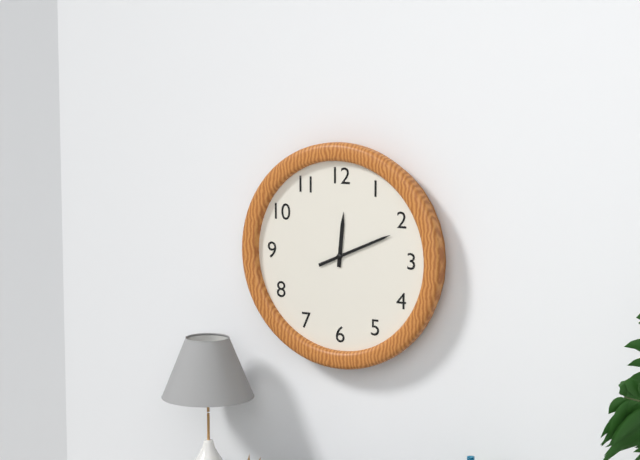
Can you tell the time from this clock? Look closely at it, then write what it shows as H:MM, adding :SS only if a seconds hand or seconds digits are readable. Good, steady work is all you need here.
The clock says 12:11
